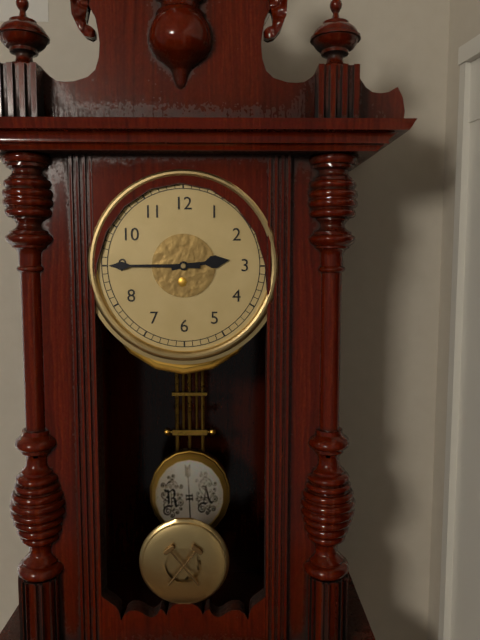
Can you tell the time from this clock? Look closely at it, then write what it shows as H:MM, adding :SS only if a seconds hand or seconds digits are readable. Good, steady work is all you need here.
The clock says 2:45
